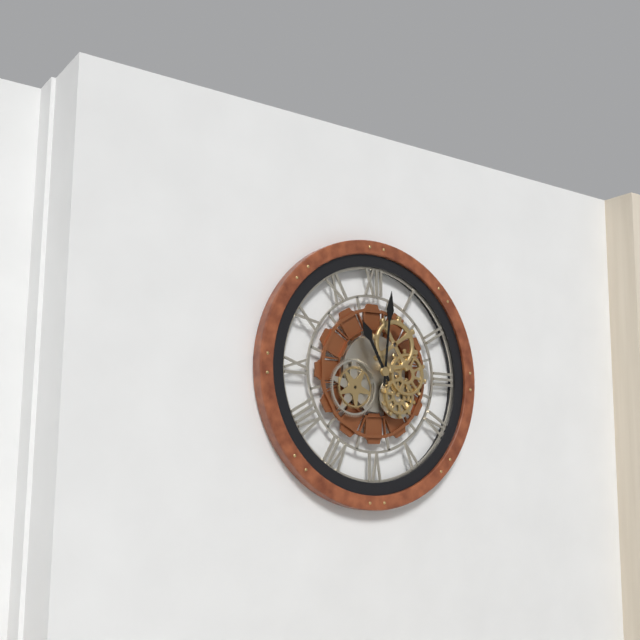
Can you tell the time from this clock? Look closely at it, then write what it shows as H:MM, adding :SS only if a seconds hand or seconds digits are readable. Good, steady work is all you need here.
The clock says 11:01
